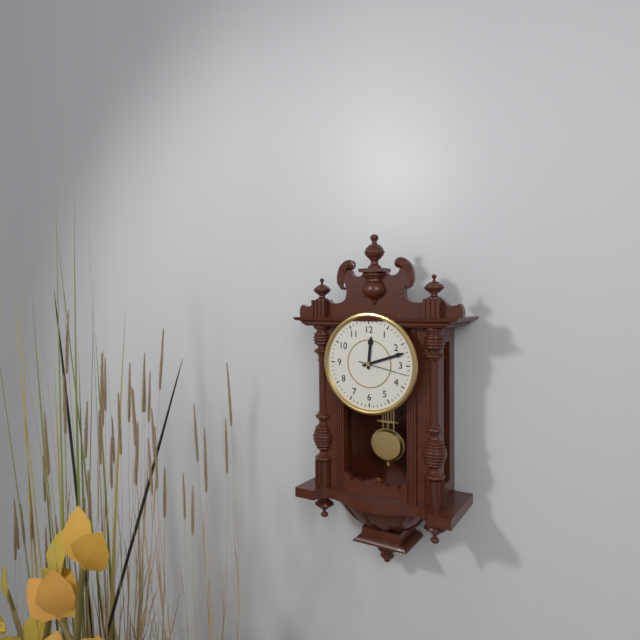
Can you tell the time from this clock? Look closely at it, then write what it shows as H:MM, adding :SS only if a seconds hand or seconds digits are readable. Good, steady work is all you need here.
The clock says 12:12:17
